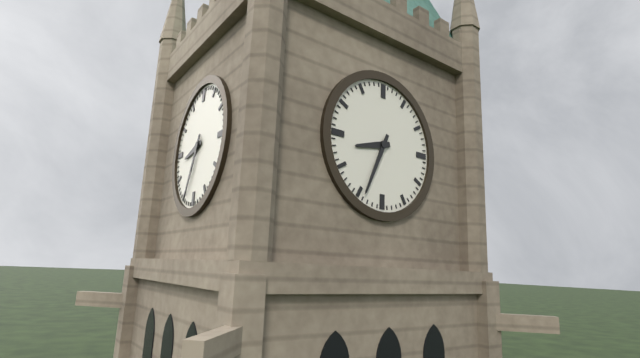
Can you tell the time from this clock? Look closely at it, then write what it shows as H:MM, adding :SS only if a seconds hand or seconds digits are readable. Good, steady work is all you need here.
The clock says 8:34
